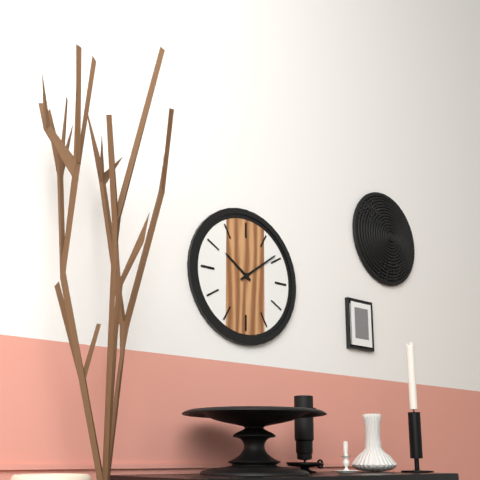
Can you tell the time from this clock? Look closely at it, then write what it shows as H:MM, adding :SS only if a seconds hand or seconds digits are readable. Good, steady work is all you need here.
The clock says 10:09
